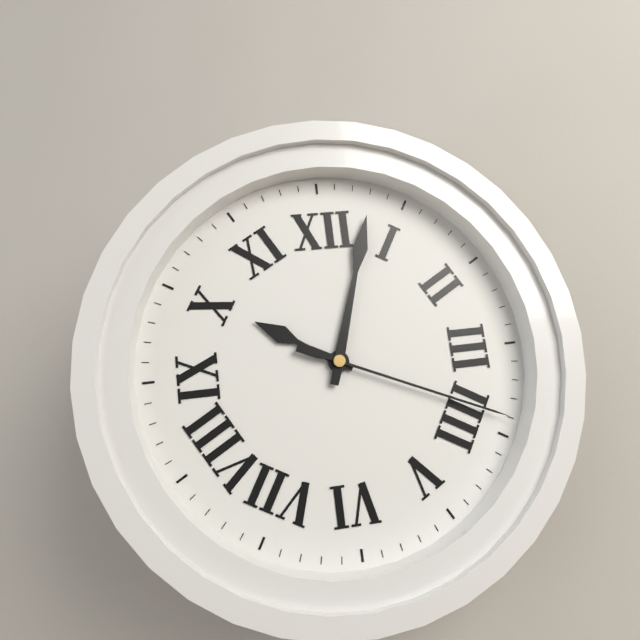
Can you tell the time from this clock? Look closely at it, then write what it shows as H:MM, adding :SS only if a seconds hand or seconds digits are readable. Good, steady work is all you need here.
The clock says 10:03:19
